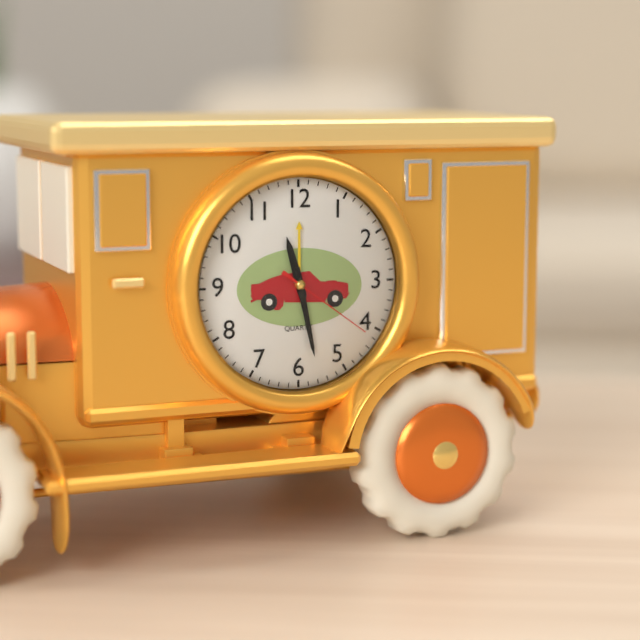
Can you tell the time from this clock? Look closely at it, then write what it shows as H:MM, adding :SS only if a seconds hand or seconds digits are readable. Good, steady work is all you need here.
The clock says 11:28:21
